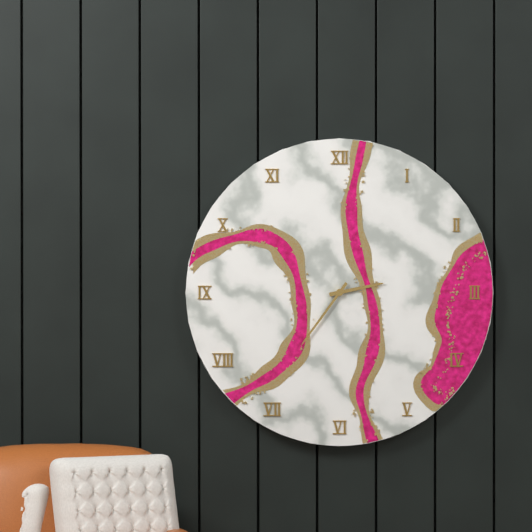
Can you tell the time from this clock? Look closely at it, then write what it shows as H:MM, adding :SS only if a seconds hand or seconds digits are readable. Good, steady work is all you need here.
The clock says 2:36
